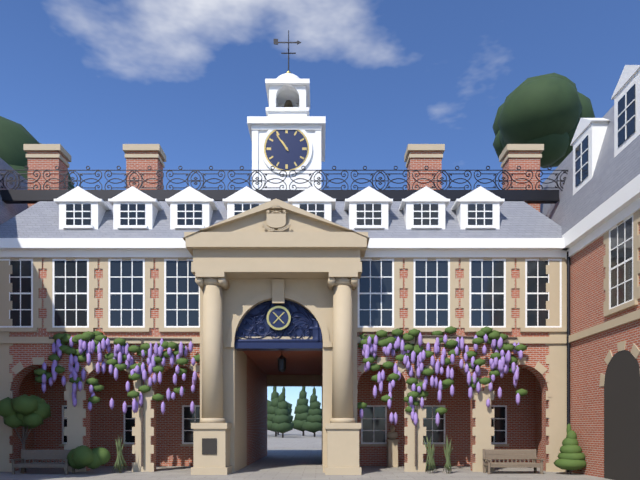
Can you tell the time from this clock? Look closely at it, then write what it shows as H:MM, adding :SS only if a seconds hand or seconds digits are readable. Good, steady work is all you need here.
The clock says 10:54
